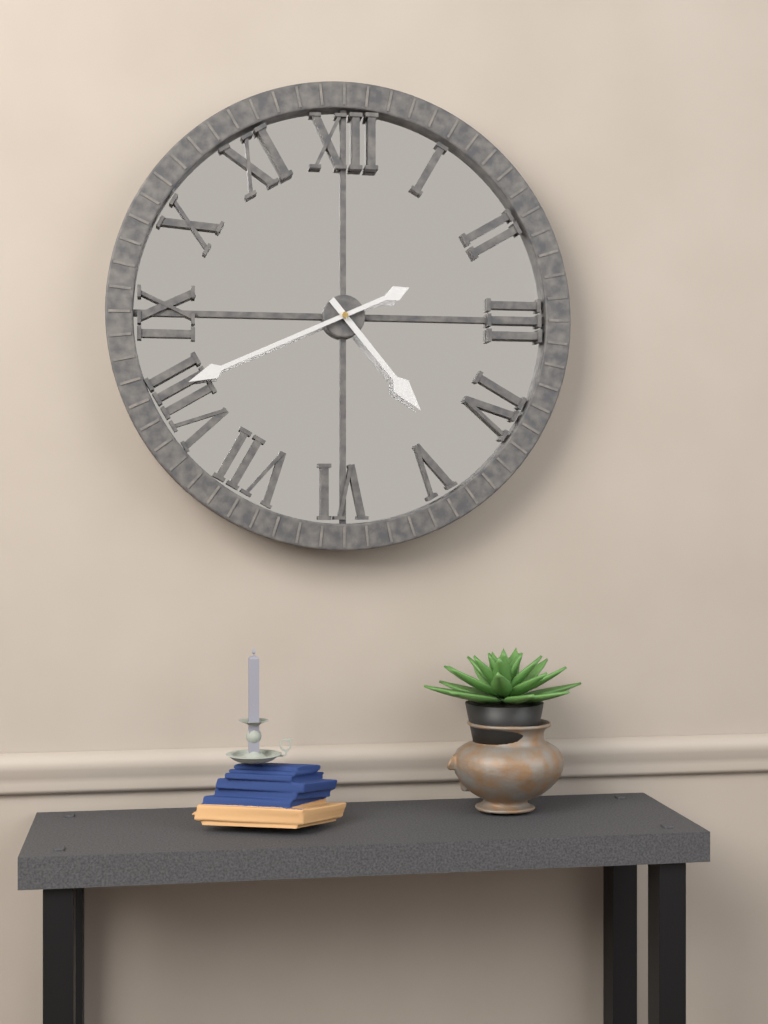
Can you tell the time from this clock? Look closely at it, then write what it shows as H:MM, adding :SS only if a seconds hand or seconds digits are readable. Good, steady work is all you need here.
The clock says 4:41
